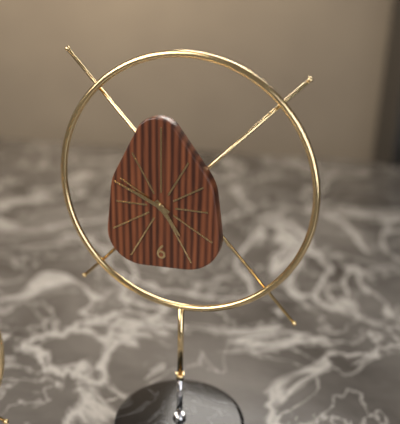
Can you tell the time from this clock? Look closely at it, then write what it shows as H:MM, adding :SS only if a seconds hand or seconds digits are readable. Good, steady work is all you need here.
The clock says 4:49
